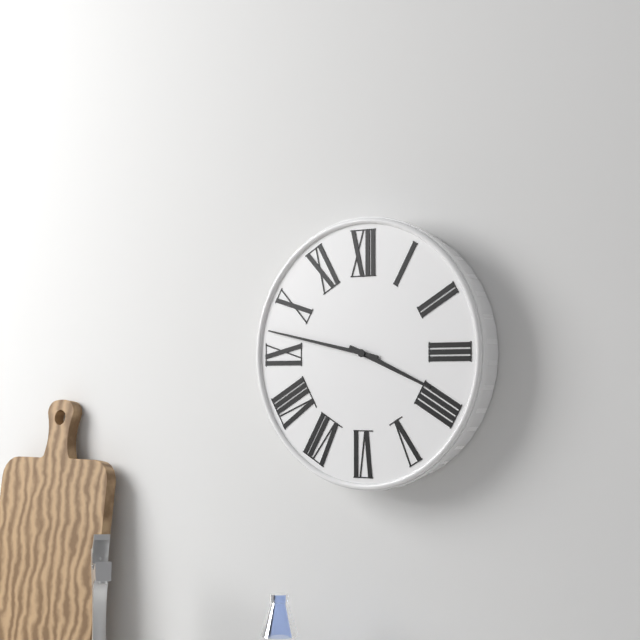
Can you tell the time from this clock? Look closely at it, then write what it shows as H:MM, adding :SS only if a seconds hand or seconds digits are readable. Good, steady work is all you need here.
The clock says 3:47
